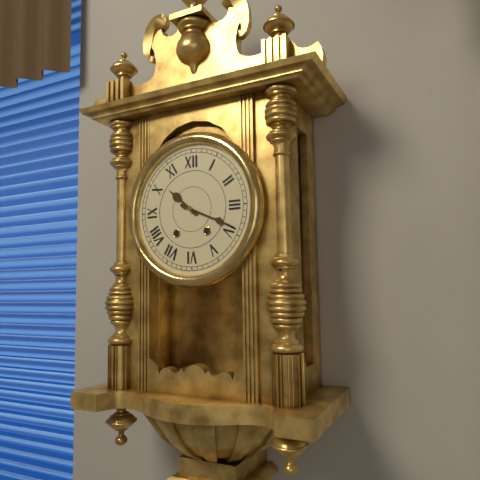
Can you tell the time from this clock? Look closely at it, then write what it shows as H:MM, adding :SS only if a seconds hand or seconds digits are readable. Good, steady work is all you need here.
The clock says 10:19
